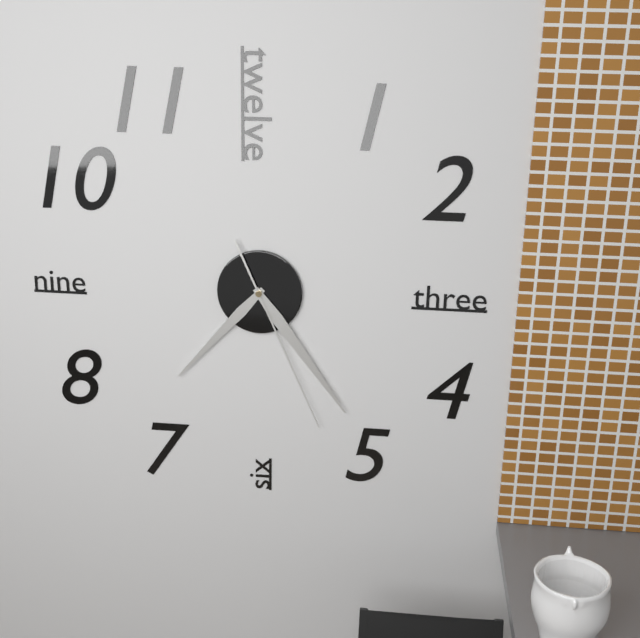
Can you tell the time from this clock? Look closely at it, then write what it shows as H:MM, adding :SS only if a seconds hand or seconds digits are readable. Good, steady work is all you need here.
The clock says 7:24:26
